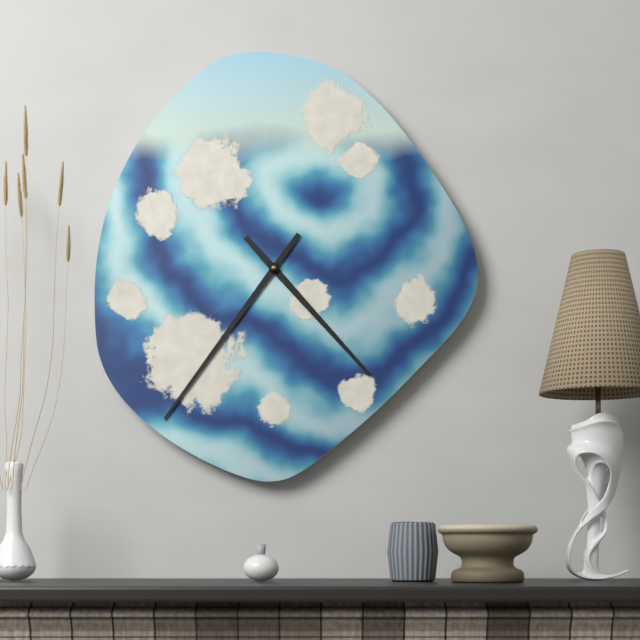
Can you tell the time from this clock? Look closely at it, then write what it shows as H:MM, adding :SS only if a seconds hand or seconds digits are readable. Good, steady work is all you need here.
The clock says 4:36
